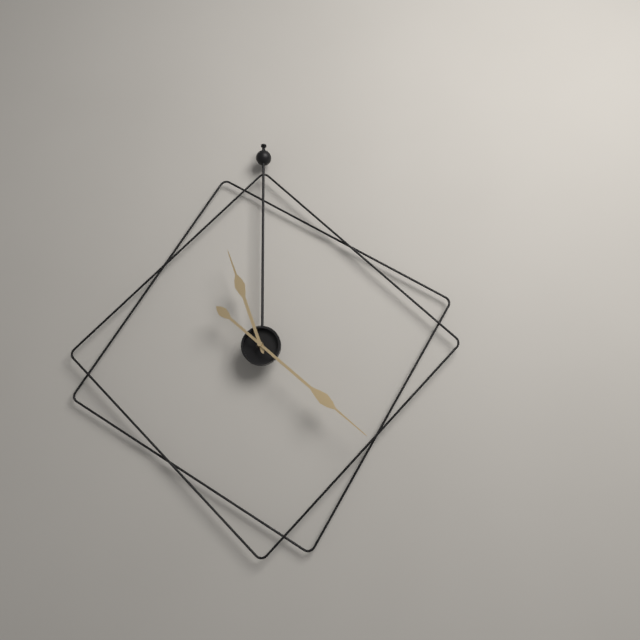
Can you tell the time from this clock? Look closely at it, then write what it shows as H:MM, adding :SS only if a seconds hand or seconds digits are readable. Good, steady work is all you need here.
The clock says 11:22
